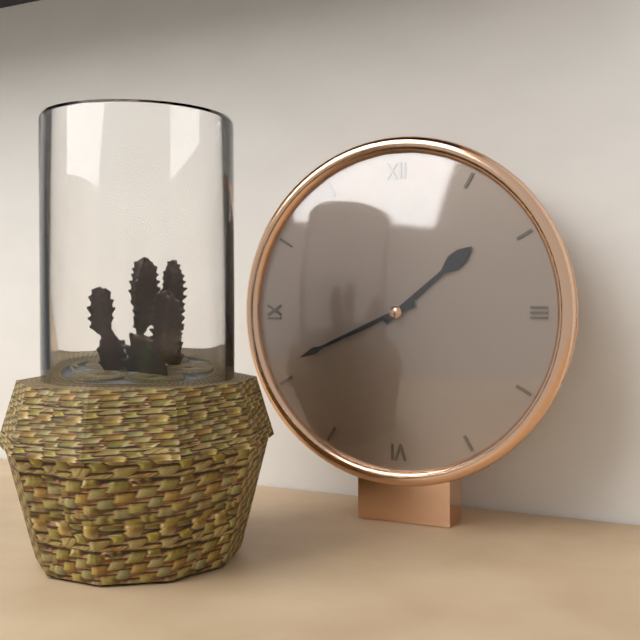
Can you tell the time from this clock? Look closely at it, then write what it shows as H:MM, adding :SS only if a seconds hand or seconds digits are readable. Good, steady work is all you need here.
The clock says 1:41
